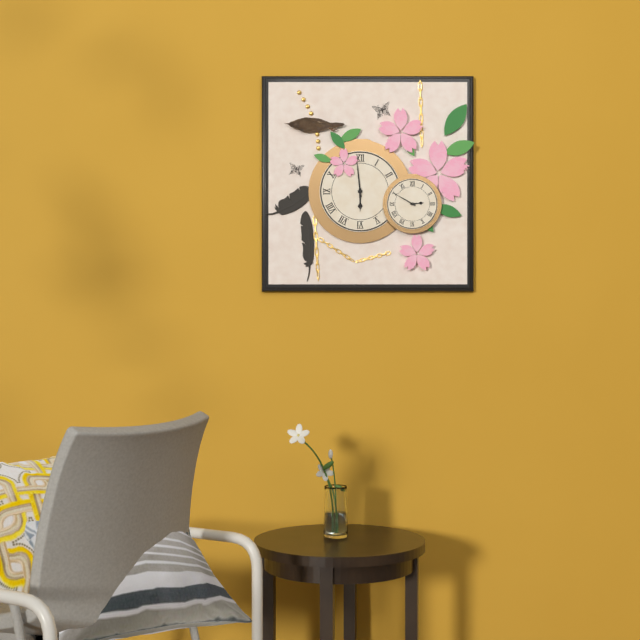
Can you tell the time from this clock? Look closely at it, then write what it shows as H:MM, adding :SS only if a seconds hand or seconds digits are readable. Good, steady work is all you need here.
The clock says 5:59
